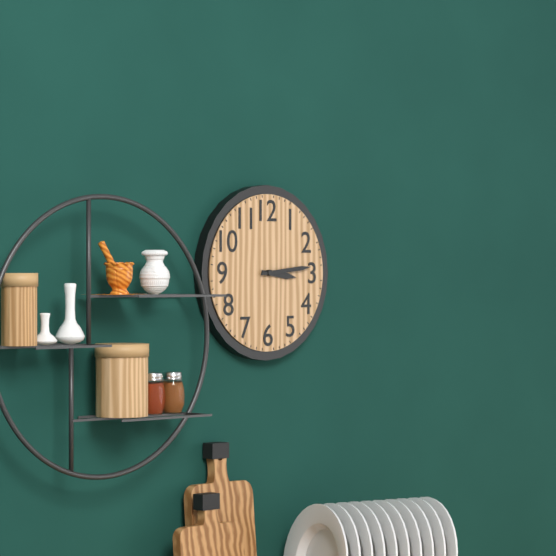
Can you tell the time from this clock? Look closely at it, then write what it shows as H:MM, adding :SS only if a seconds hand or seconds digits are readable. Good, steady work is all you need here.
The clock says 3:14
